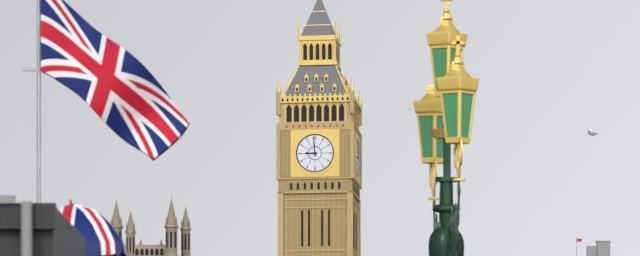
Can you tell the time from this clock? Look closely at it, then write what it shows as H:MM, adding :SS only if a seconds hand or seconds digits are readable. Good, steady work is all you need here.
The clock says 8:59
